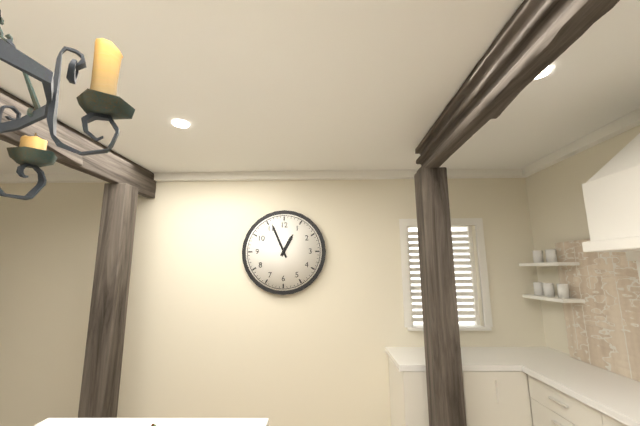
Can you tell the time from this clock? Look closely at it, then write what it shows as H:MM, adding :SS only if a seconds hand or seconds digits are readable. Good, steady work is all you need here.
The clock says 12:56
